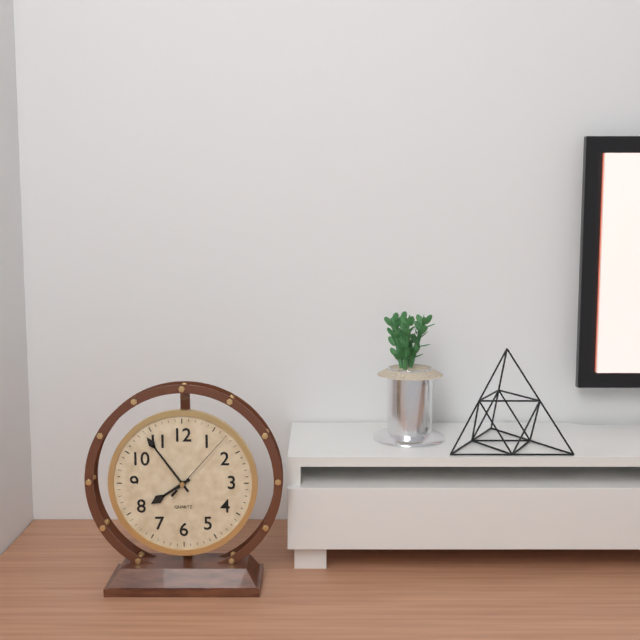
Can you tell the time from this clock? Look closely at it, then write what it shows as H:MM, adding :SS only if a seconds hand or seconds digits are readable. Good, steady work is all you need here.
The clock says 7:54:07
